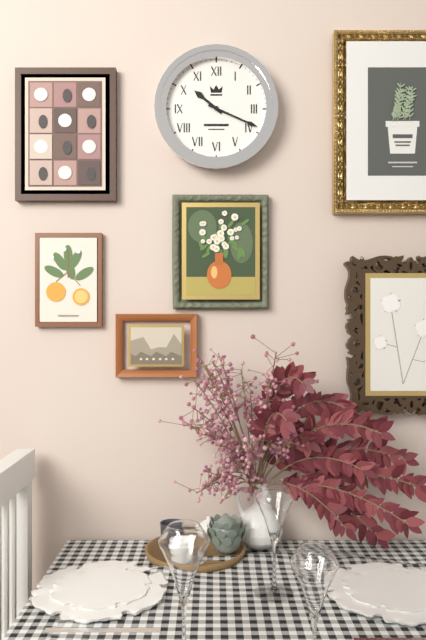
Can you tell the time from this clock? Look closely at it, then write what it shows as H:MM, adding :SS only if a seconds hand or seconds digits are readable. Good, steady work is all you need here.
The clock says 10:19
